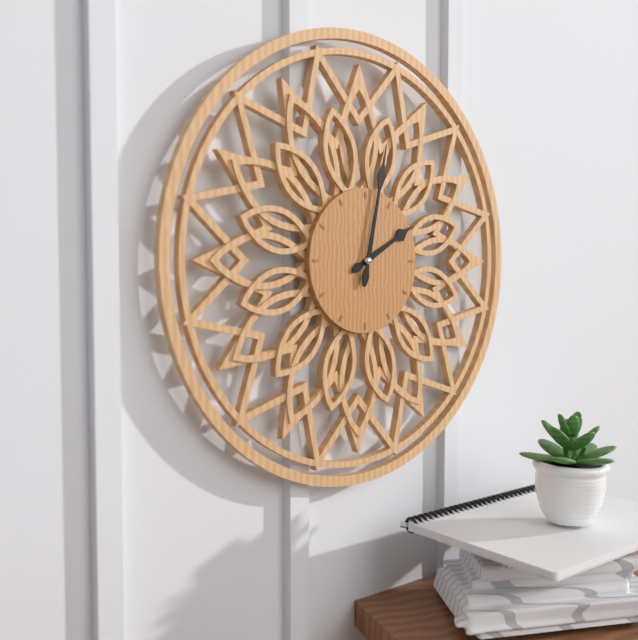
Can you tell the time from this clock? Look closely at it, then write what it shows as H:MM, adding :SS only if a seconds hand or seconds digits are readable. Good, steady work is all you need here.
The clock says 2:02
